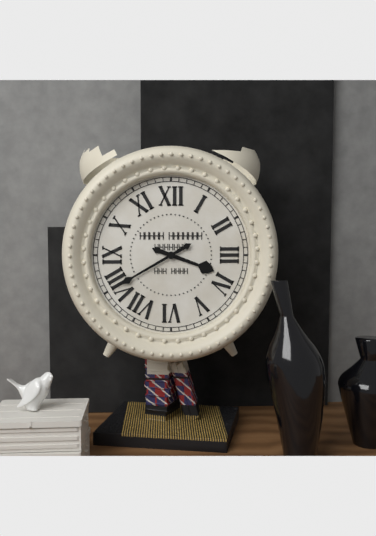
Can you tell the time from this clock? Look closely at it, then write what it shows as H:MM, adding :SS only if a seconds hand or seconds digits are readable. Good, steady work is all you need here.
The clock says 3:40
